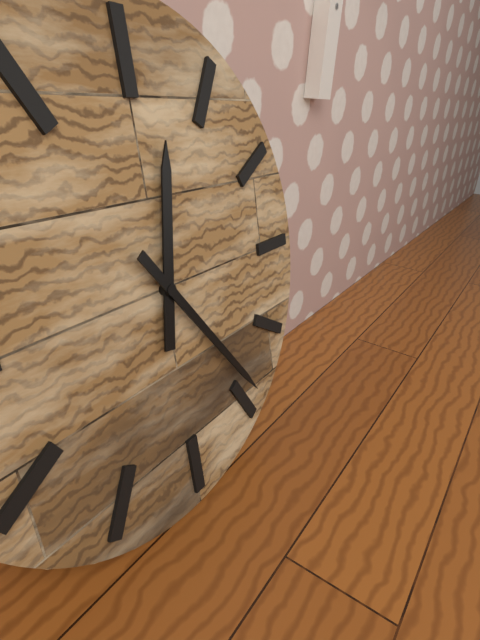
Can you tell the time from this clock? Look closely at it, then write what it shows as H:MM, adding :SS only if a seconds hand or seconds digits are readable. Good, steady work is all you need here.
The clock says 12:24
